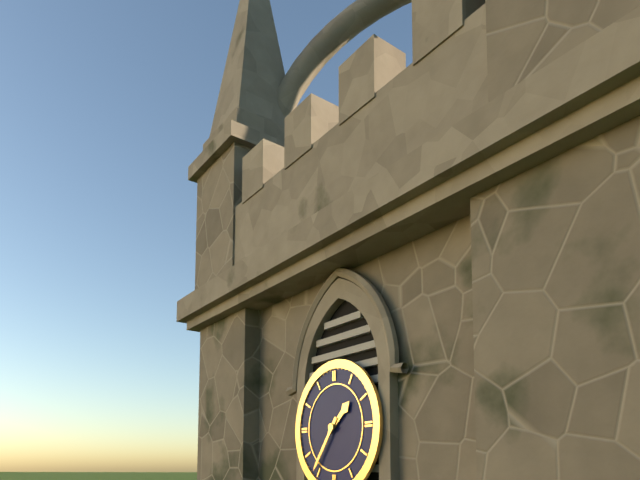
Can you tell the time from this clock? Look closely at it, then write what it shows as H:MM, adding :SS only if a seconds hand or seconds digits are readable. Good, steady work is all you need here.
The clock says 1:36
